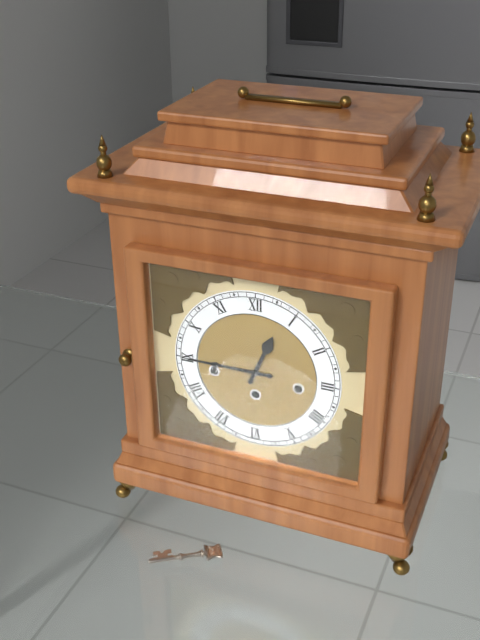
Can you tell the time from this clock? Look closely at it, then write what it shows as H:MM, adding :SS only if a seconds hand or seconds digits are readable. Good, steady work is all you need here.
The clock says 12:45
